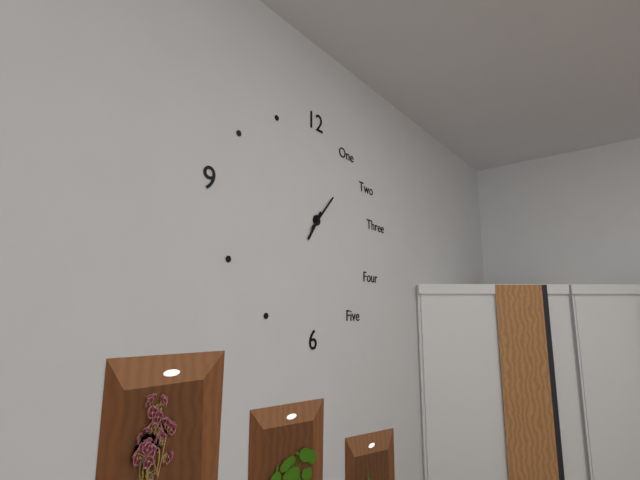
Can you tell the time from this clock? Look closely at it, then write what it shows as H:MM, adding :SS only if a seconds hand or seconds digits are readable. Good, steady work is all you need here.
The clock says 7:07
